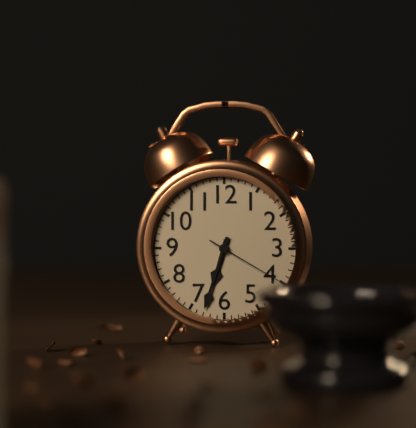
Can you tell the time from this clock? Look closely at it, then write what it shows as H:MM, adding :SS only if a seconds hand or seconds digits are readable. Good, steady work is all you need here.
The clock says 6:33:20
